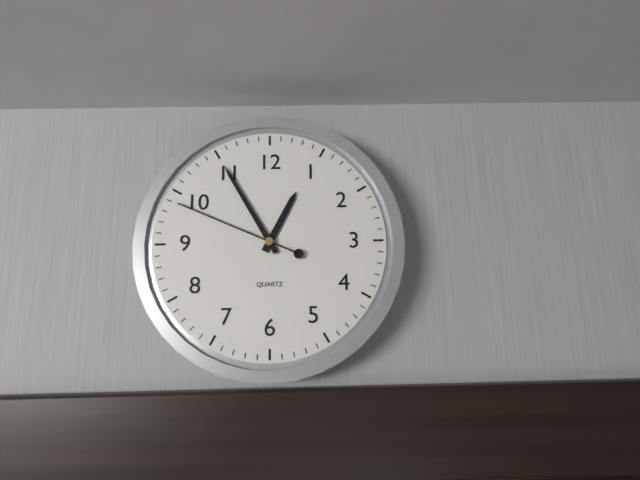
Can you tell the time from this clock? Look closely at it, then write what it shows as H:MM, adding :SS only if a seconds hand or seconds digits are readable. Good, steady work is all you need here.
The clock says 12:55:49
